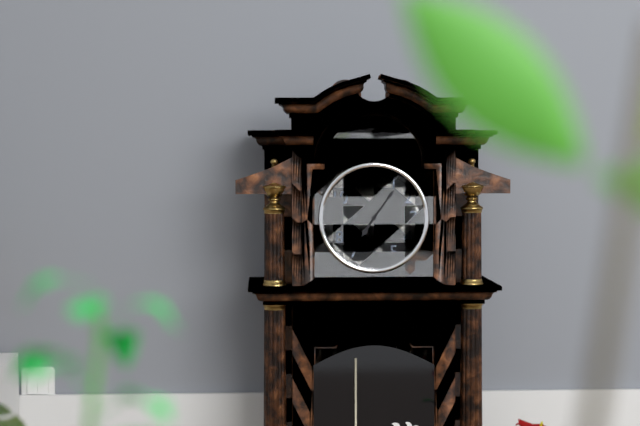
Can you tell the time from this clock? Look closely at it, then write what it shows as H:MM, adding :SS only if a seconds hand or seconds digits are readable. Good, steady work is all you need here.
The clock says 7:06
